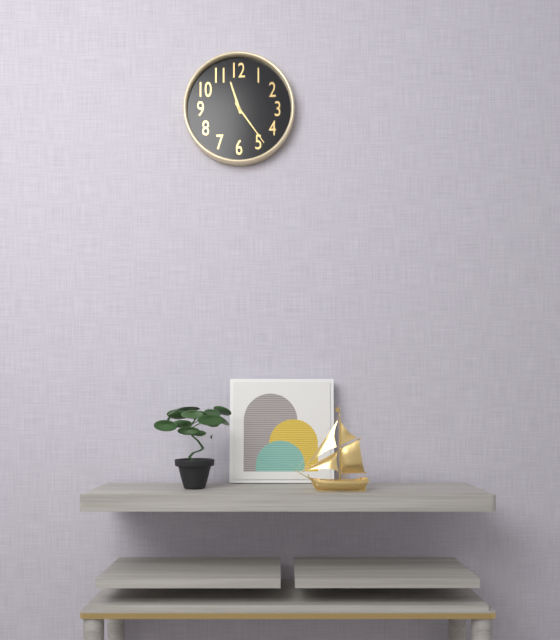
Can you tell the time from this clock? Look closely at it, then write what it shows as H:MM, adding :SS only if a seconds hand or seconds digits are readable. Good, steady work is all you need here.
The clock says 11:24
